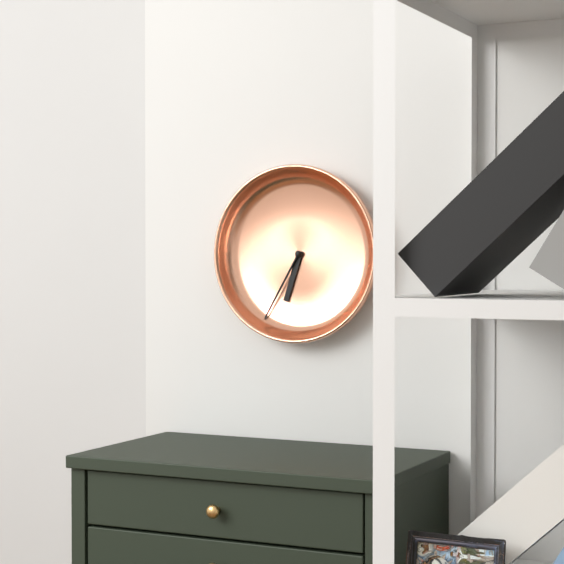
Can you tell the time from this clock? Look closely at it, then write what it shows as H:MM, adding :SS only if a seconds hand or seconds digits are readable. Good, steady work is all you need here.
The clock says 6:35:35
